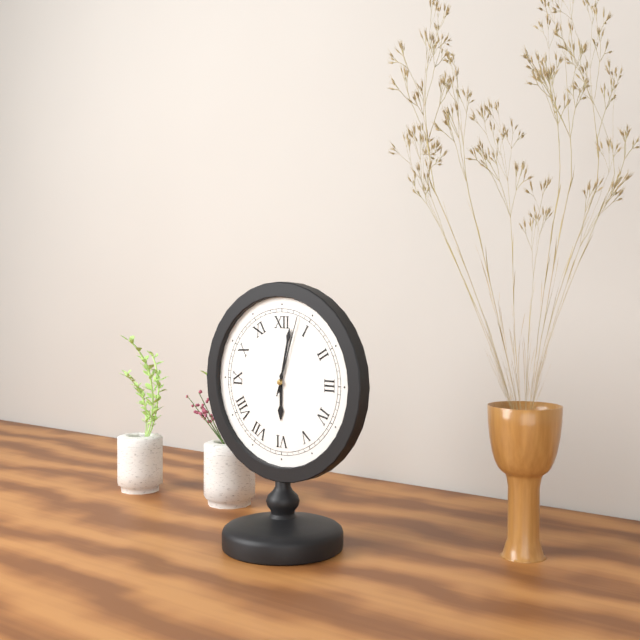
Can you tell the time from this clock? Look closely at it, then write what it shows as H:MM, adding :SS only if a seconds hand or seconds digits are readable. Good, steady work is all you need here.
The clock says 6:02:03
